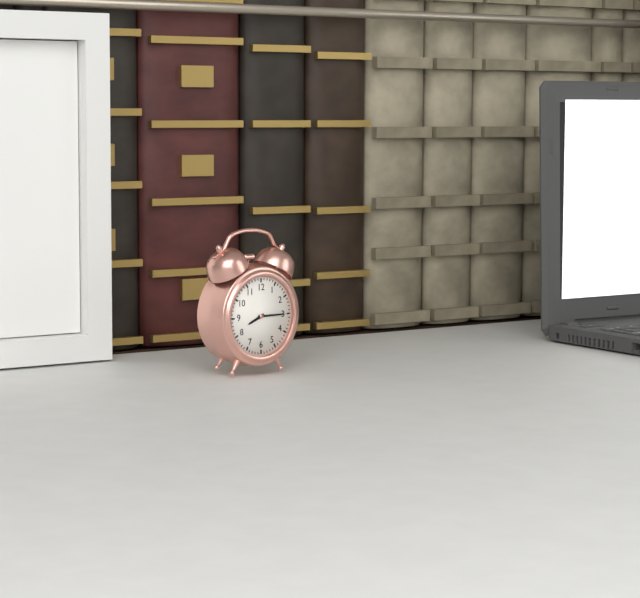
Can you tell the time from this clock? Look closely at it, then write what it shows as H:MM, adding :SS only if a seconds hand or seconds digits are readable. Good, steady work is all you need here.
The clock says 8:15
